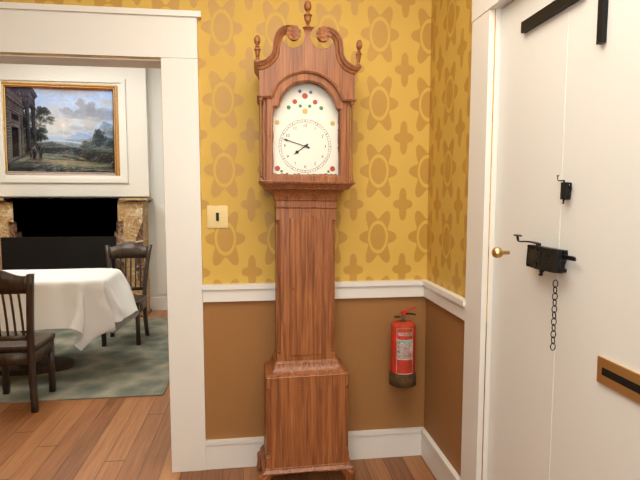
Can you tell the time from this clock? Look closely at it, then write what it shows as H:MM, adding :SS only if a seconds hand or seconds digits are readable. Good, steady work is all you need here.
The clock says 7:48
